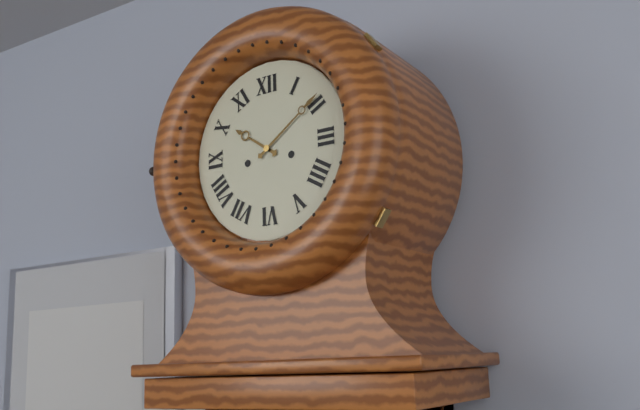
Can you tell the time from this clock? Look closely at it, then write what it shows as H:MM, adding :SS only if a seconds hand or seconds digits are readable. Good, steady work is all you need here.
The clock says 10:09
